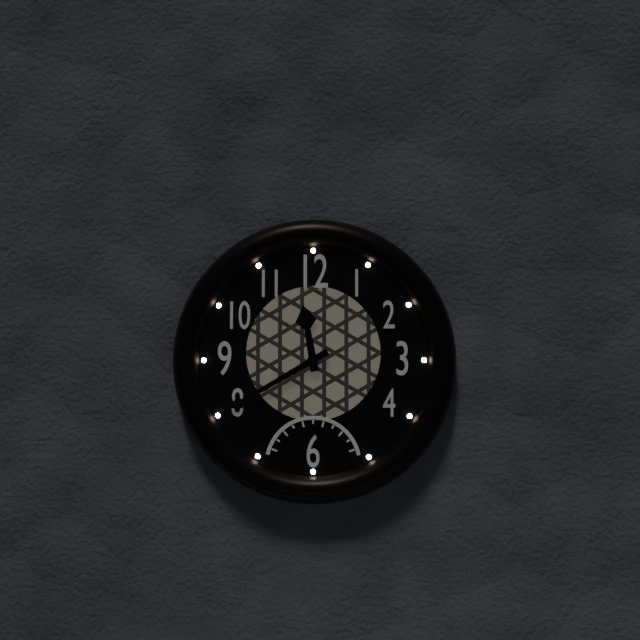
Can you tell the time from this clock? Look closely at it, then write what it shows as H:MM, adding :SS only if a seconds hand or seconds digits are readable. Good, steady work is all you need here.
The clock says 11:40
